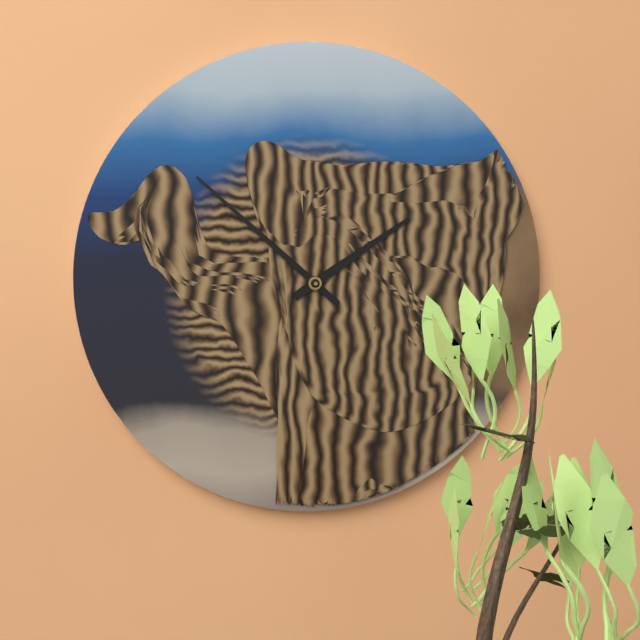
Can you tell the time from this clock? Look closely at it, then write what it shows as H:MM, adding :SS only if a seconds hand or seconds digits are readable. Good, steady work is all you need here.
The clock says 1:52
